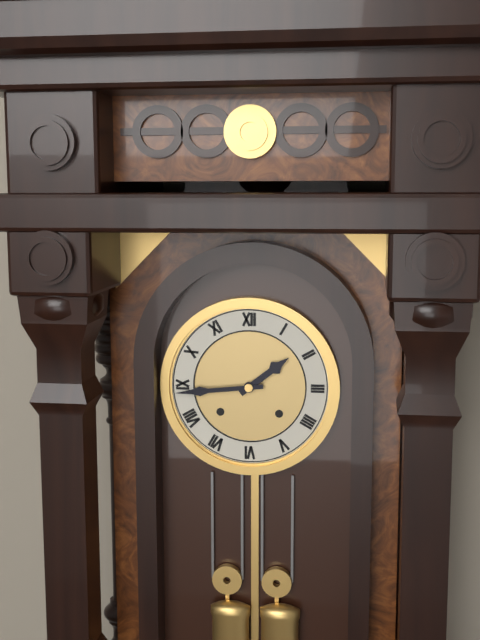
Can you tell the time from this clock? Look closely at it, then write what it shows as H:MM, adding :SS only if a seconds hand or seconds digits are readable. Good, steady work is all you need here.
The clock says 1:44
